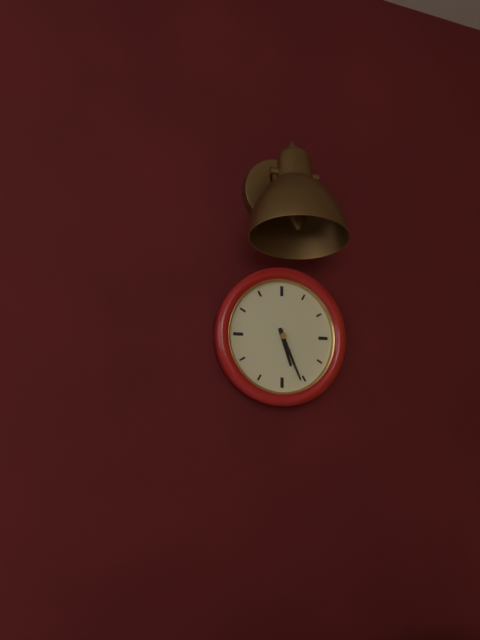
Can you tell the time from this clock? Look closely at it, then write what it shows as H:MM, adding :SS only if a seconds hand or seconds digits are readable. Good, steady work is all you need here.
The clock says 5:26
